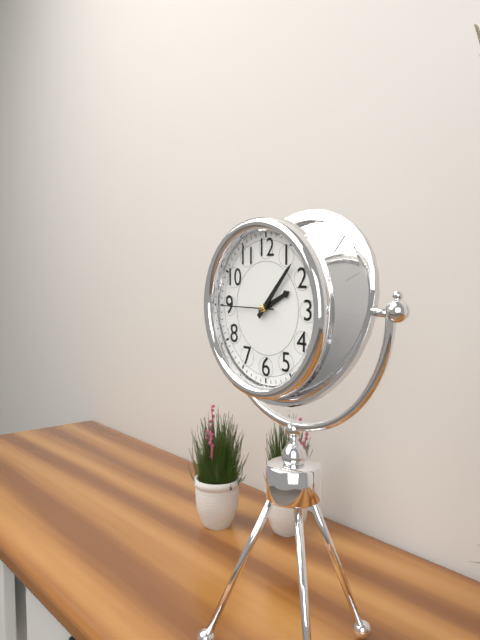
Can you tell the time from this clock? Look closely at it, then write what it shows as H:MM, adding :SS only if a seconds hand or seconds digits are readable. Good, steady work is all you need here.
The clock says 2:07
